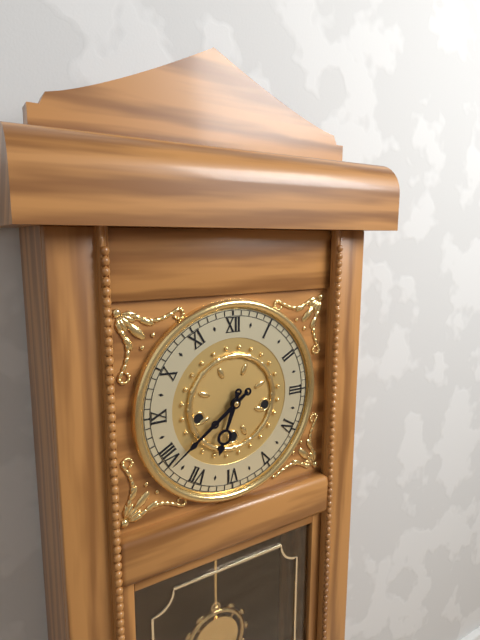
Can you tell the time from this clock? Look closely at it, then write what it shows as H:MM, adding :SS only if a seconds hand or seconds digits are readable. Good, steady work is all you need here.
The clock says 6:39
